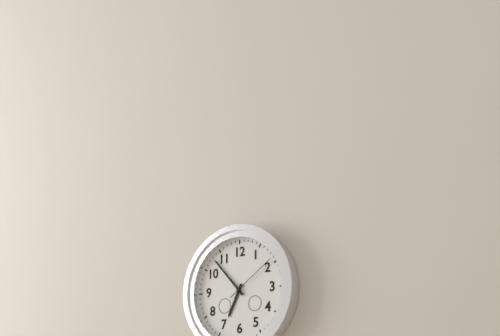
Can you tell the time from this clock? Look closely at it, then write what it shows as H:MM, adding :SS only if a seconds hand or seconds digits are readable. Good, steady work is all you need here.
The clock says 6:53:09
